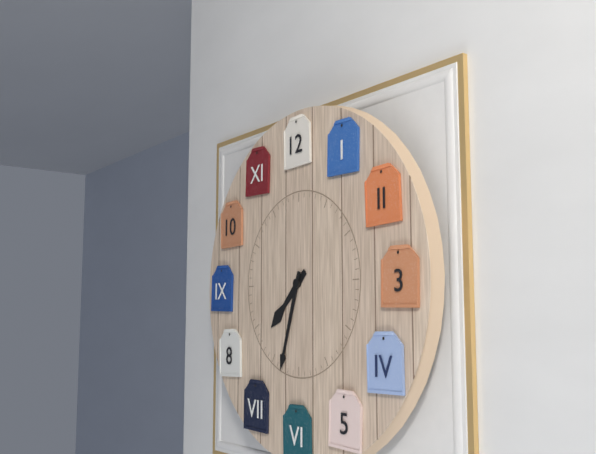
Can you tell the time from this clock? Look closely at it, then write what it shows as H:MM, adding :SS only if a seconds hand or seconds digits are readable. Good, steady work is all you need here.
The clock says 7:33
